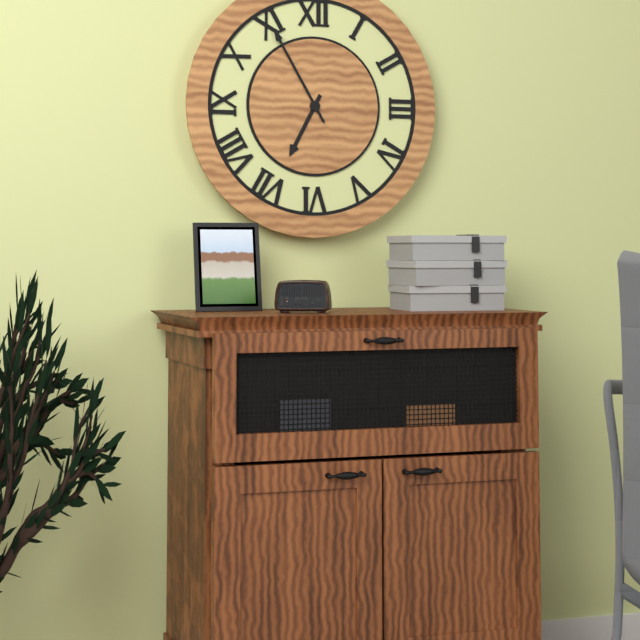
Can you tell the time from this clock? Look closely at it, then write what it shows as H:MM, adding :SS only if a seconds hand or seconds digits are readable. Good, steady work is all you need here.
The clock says 6:55
